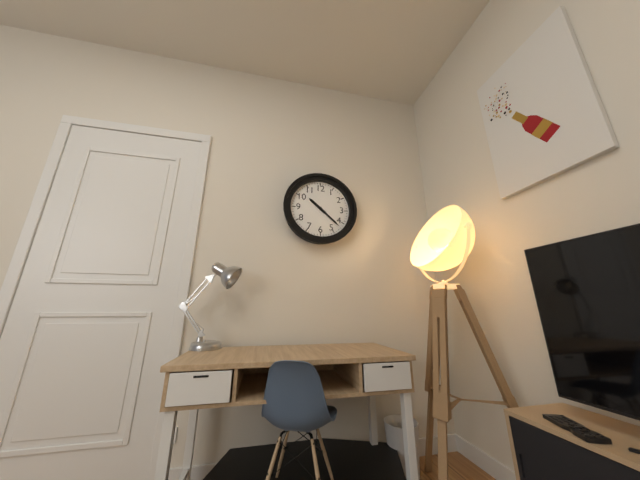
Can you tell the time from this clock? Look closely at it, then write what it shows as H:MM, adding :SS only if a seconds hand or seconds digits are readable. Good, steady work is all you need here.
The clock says 10:22
